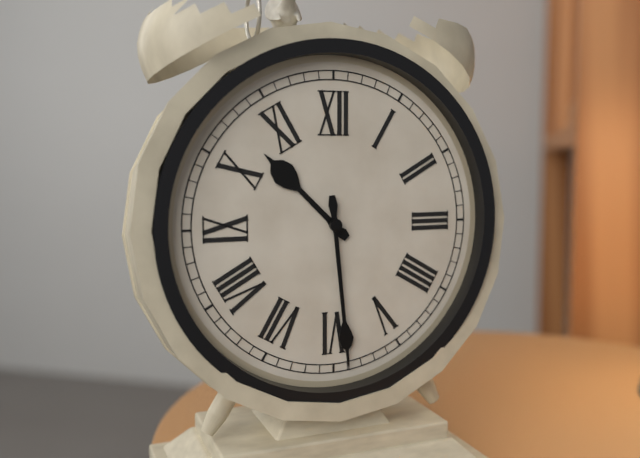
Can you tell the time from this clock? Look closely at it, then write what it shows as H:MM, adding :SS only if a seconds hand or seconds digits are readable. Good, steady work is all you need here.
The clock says 10:29
